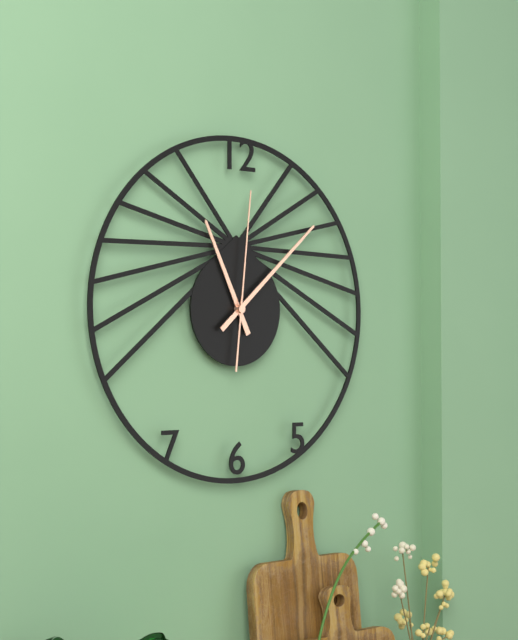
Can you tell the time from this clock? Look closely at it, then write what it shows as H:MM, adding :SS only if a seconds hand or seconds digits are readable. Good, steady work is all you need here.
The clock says 11:08:01
